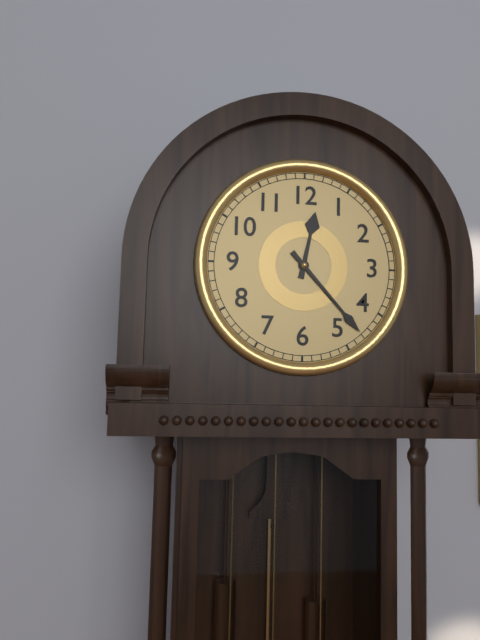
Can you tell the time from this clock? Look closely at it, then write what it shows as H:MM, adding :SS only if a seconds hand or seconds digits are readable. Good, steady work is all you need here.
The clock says 12:23
